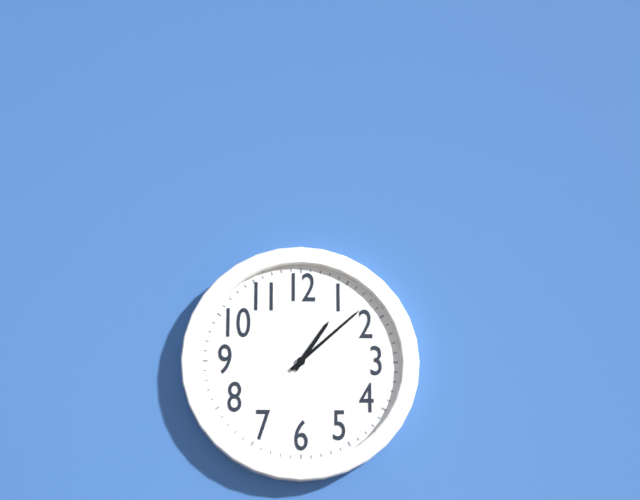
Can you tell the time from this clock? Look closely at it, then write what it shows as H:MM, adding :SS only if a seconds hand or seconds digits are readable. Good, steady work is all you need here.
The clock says 1:08
